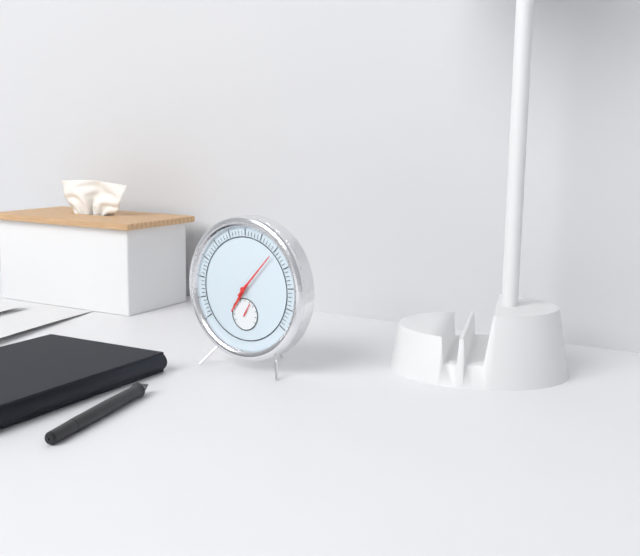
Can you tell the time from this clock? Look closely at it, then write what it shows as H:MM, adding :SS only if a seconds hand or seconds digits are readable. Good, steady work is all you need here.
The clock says 7:07
